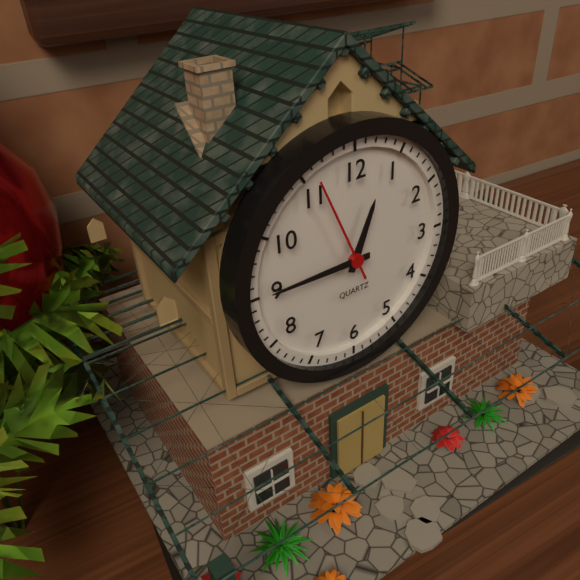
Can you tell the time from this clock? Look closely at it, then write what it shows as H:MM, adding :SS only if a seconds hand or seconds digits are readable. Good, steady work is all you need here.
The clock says 12:45:56
